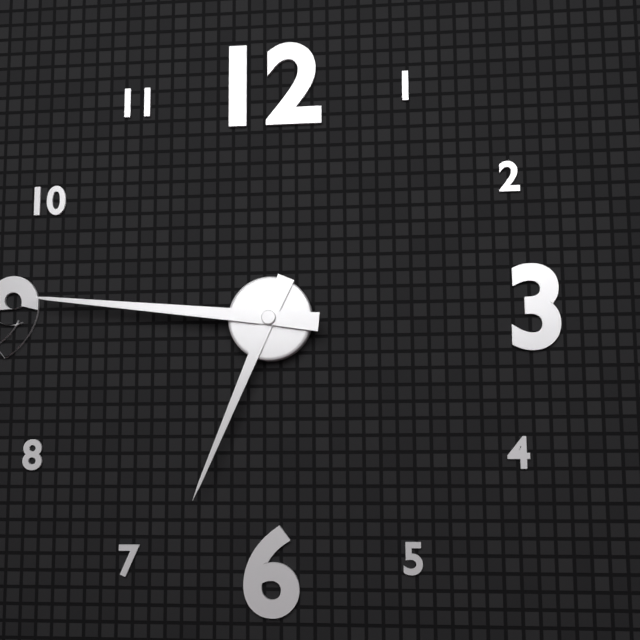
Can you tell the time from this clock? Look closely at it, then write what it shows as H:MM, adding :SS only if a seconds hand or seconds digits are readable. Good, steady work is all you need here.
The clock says 6:46
